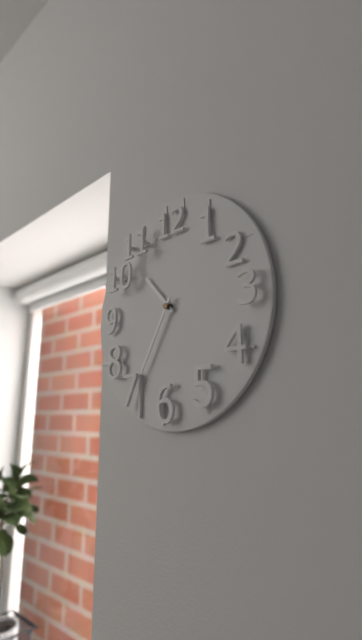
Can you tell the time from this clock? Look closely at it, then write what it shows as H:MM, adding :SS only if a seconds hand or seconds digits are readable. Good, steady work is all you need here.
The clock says 10:35
